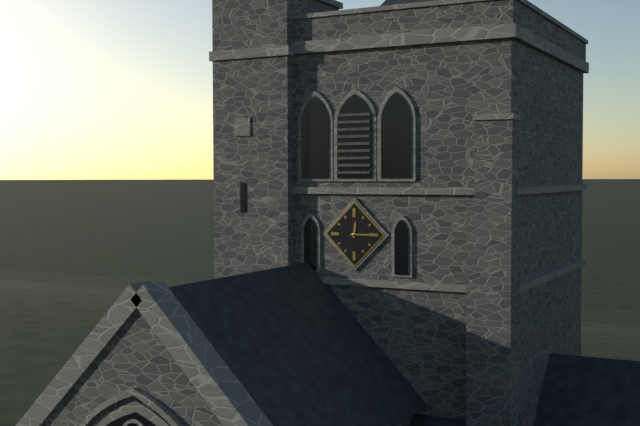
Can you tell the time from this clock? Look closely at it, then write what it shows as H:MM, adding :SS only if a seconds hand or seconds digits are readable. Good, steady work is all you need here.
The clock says 12:15
